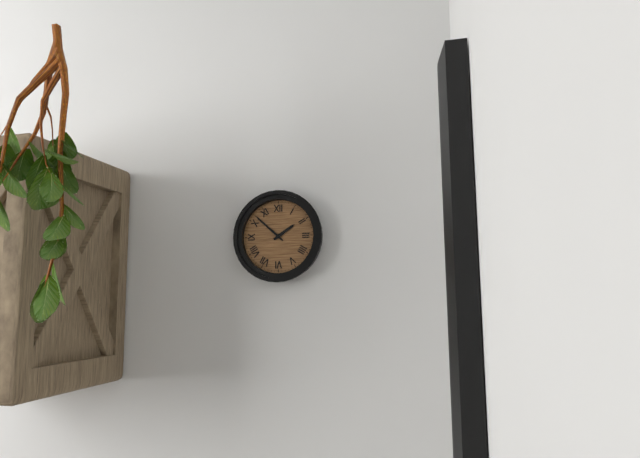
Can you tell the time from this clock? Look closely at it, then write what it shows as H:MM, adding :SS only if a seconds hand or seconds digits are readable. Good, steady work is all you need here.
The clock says 1:52
